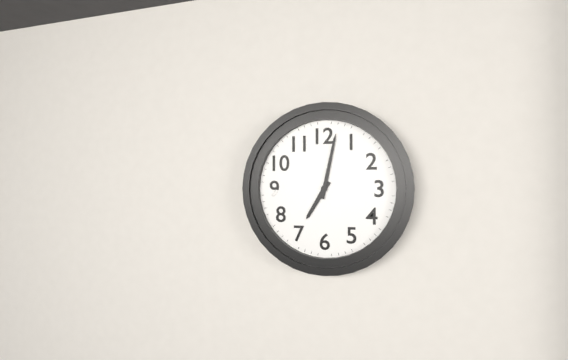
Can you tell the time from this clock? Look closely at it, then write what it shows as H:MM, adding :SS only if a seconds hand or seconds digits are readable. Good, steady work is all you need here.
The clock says 7:02
